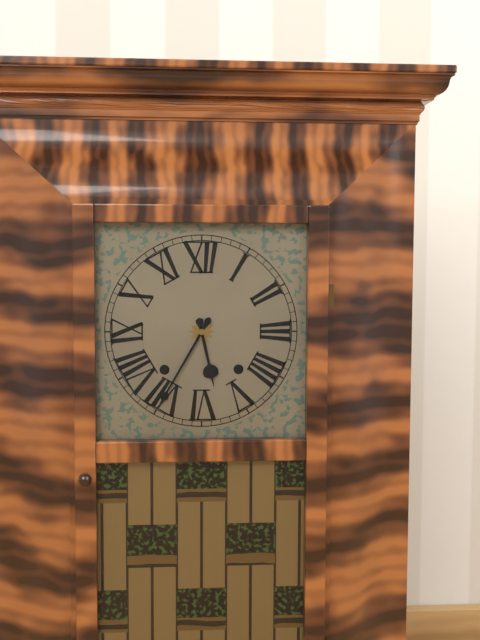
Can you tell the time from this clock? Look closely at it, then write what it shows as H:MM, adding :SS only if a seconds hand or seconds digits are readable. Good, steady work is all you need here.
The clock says 5:35
